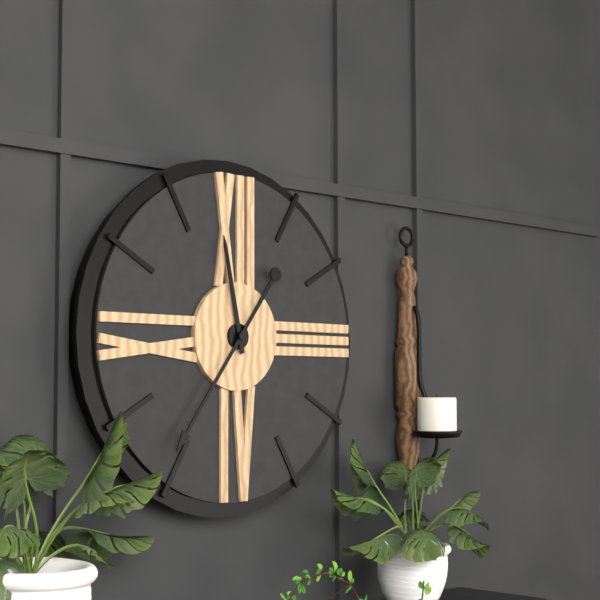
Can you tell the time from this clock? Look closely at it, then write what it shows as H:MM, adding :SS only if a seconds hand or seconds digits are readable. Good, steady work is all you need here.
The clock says 11:36
